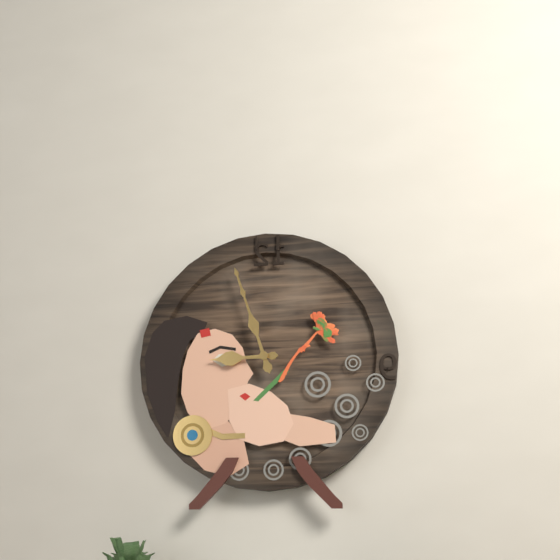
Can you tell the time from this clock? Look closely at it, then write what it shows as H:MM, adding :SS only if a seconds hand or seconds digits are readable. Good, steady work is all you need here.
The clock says 8:57
